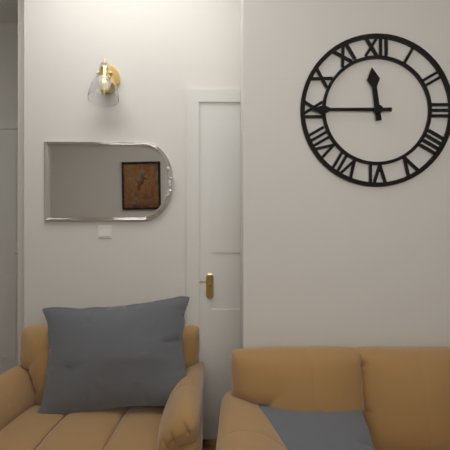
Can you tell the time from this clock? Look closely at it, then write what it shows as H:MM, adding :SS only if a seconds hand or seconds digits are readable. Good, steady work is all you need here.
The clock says 11:45
